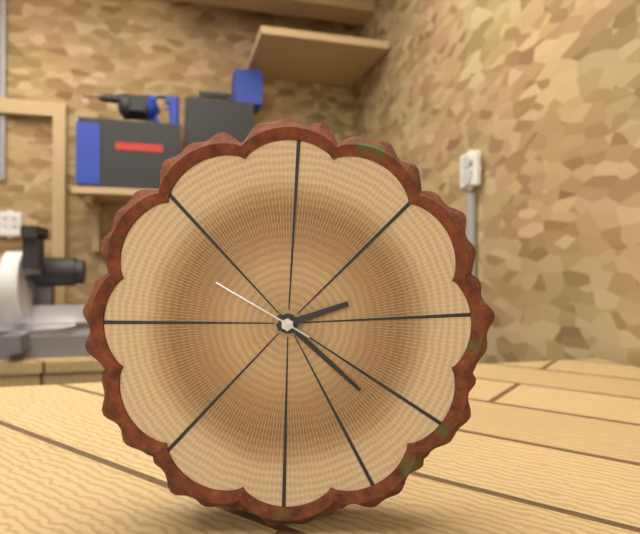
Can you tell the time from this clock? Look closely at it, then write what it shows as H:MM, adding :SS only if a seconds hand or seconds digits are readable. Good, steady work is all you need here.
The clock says 2:22:50
